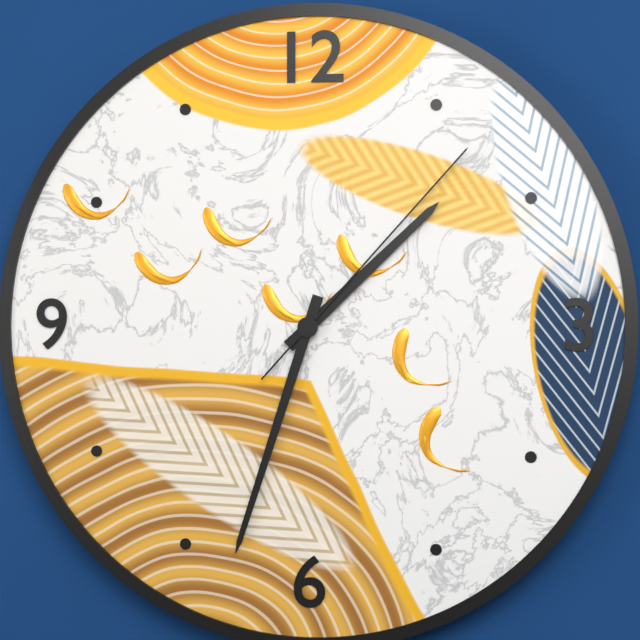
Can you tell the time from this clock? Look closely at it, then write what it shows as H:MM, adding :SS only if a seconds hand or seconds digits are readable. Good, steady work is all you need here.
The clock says 1:33:07
